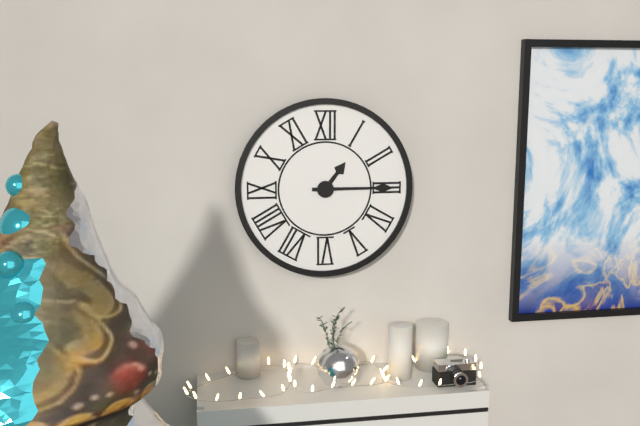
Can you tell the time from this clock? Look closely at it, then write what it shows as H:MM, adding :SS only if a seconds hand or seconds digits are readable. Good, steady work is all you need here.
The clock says 1:15
